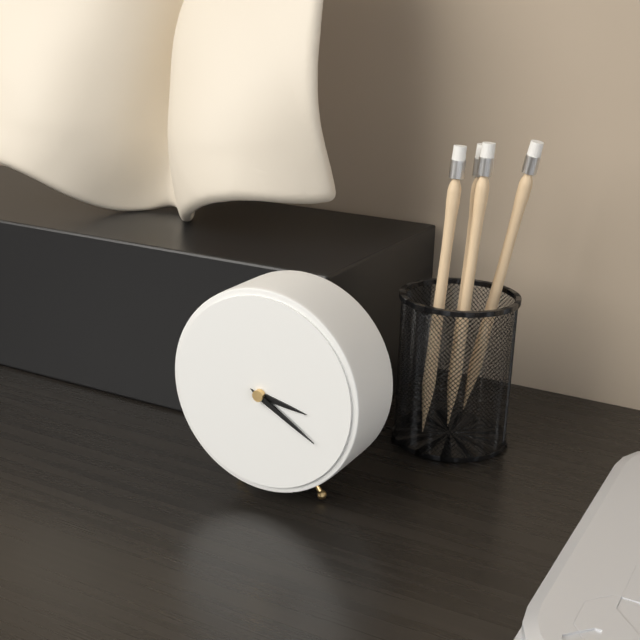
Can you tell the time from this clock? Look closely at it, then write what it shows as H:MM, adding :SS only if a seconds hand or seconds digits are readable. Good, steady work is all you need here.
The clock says 3:20
